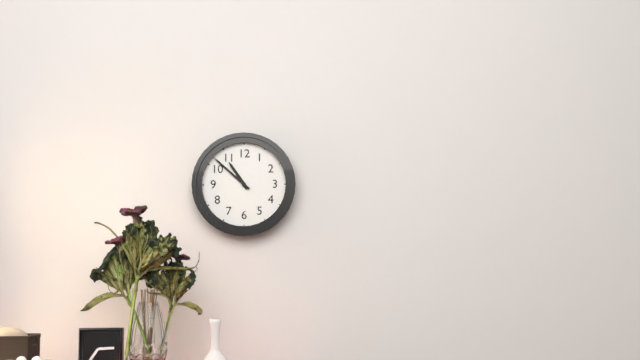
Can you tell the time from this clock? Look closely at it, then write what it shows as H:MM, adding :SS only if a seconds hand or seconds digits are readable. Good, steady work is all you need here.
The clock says 10:52
